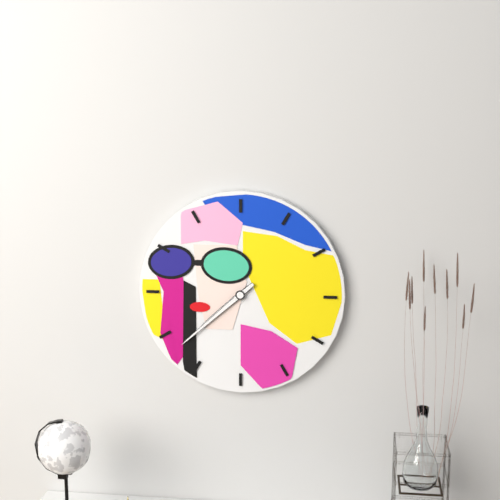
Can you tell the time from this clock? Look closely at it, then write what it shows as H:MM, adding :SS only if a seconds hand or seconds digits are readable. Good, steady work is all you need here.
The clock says 7:38
